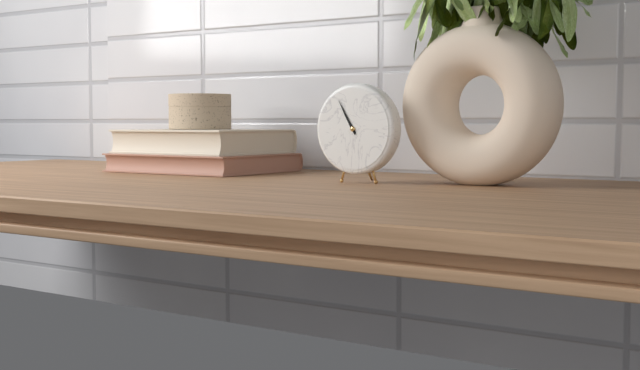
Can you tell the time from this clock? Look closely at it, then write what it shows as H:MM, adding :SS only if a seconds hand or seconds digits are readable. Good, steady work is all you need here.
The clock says 10:55
